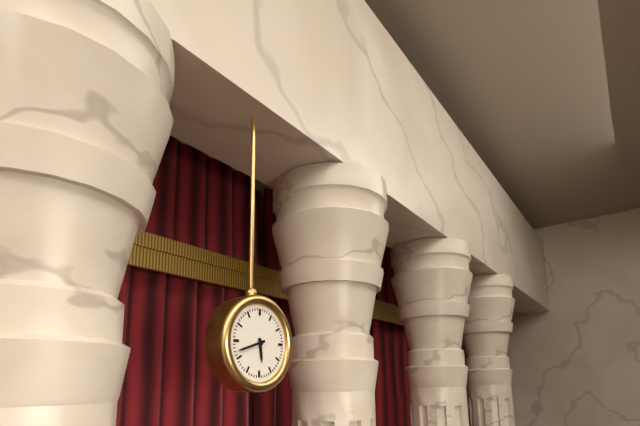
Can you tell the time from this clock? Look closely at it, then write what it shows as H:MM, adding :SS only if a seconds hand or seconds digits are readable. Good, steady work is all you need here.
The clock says 5:42
